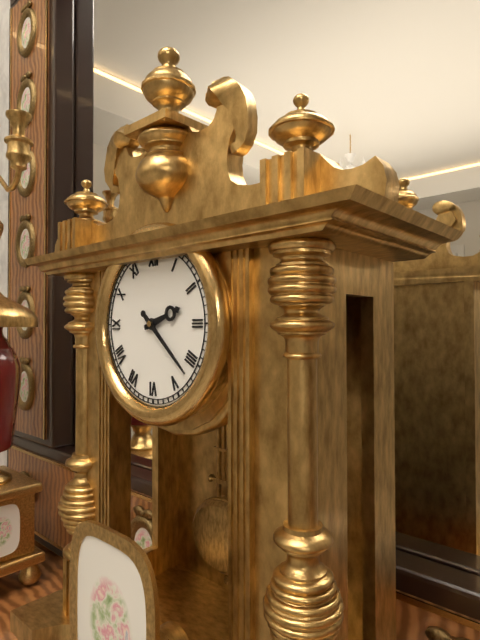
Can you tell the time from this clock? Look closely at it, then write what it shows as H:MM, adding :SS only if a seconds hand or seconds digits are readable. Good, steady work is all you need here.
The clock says 2:22
